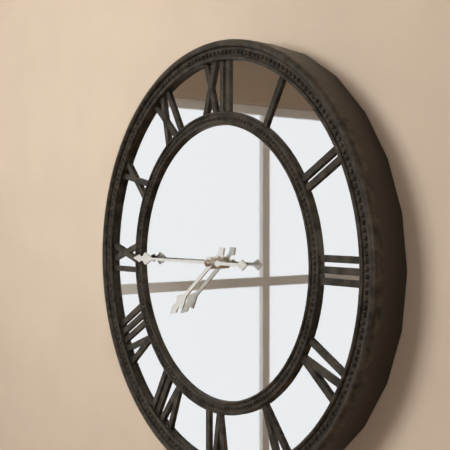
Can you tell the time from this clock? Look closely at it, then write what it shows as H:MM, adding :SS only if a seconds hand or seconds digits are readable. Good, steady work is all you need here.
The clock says 7:45
